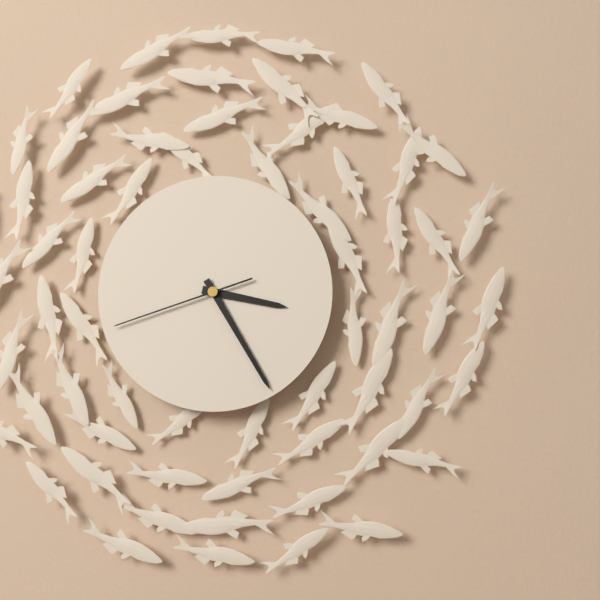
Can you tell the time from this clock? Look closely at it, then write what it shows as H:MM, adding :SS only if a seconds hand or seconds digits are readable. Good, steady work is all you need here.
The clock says 3:25:42
